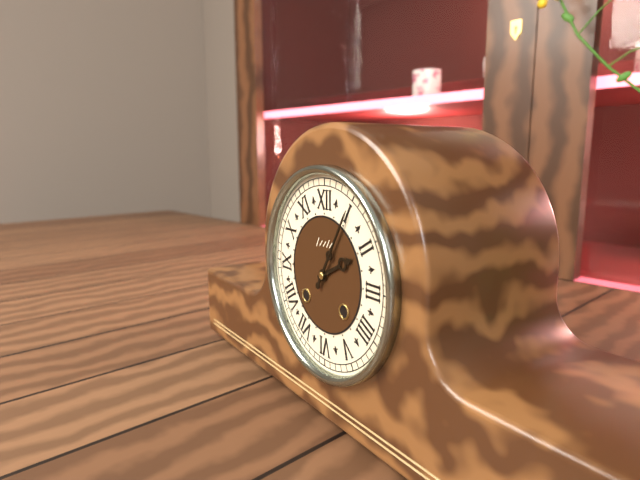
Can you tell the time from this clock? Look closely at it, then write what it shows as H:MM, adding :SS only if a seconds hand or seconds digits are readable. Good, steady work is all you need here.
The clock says 2:05
